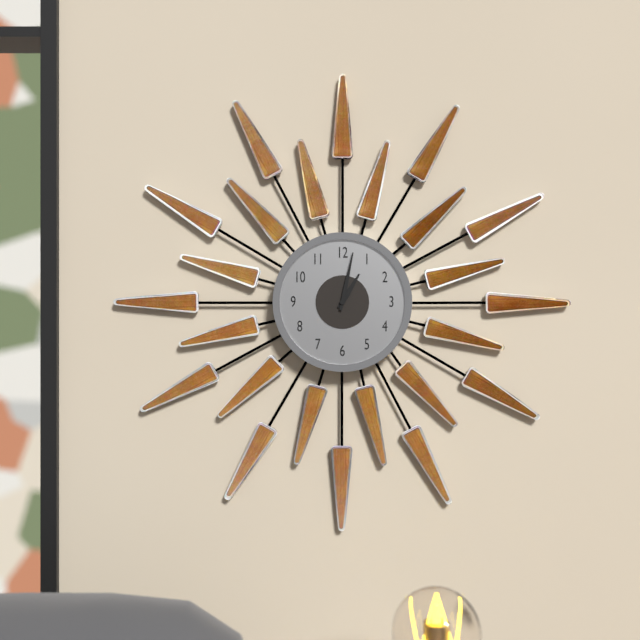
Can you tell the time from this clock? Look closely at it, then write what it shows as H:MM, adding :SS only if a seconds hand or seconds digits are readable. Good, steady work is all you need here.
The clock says 1:02
